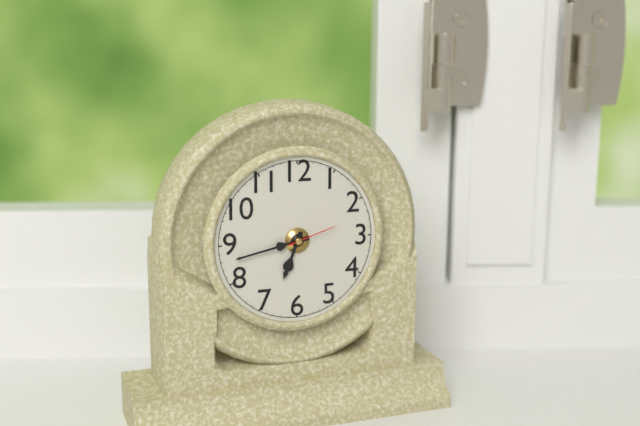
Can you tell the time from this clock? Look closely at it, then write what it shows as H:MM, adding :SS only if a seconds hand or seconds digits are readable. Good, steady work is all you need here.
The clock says 6:43:12
